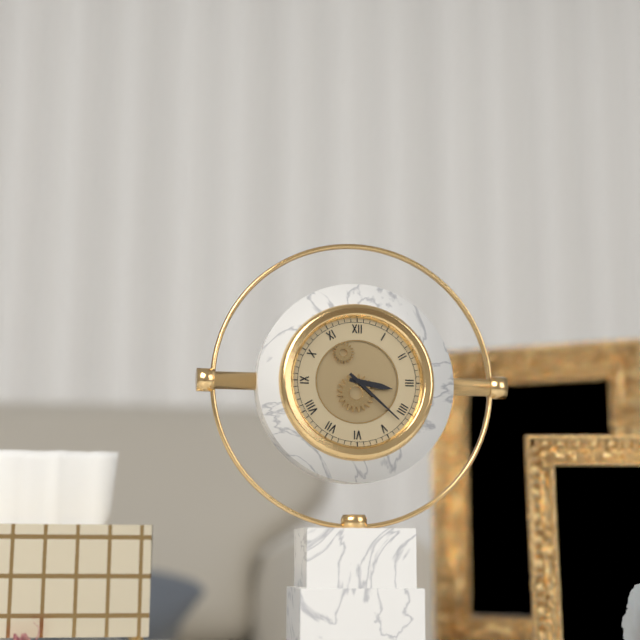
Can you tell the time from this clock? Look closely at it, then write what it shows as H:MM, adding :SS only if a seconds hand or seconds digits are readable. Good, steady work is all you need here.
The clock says 3:22
